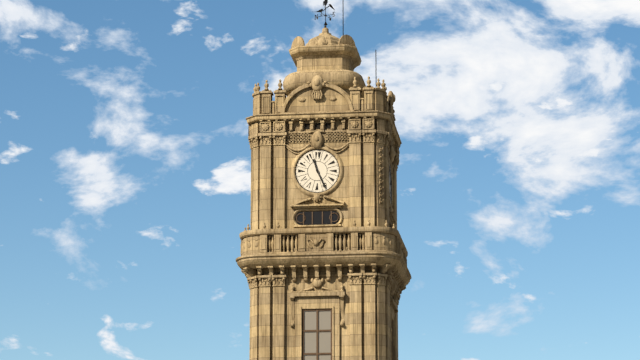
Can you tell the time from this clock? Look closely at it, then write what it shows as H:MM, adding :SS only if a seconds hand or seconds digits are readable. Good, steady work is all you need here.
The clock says 11:26
